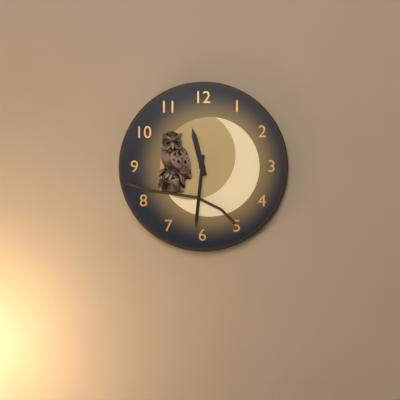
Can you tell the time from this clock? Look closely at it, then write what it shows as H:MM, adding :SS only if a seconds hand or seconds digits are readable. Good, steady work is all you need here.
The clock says 11:31
